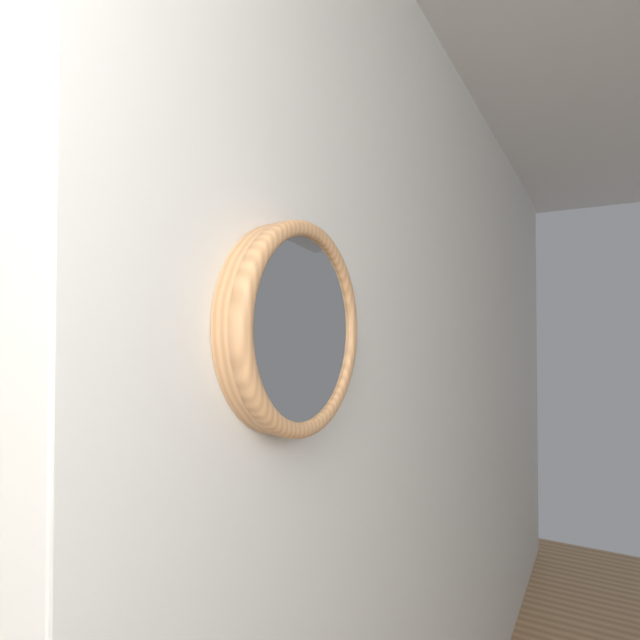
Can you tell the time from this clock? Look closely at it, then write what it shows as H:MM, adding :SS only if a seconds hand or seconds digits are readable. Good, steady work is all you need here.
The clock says 12:22
